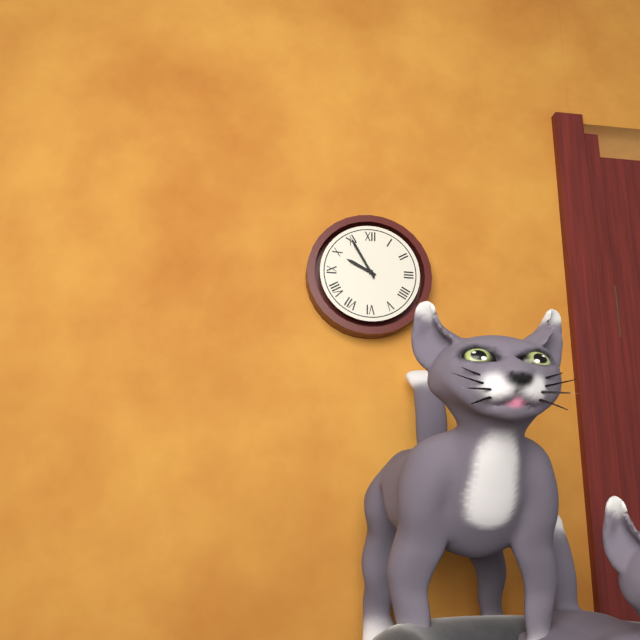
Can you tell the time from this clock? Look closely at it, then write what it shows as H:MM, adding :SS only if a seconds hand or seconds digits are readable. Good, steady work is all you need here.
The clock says 9:55
